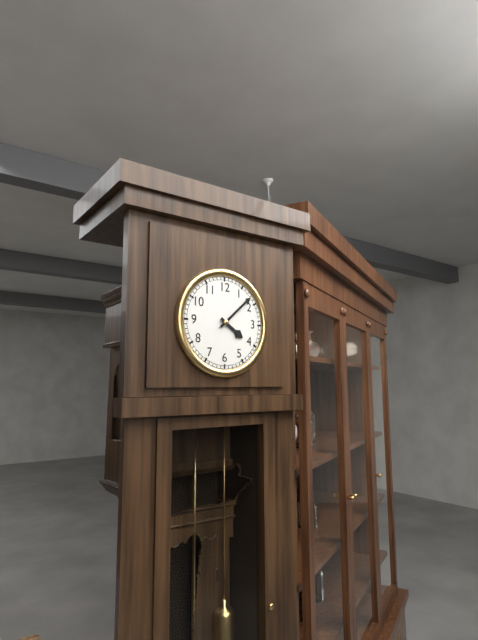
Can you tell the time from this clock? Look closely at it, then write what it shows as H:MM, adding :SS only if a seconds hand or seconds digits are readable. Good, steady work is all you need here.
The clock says 4:08
